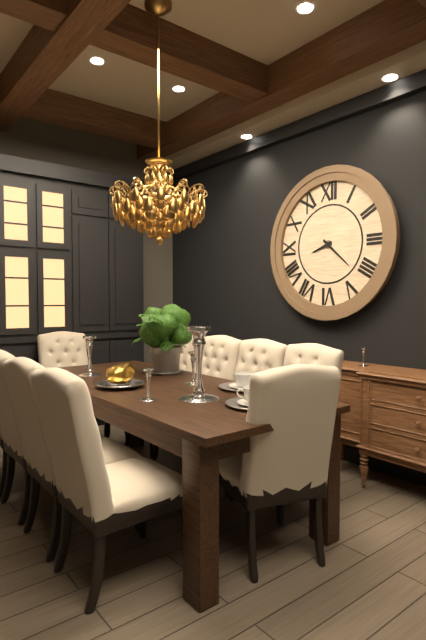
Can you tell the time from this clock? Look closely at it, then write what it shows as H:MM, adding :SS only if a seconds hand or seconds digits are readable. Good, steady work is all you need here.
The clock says 8:22
